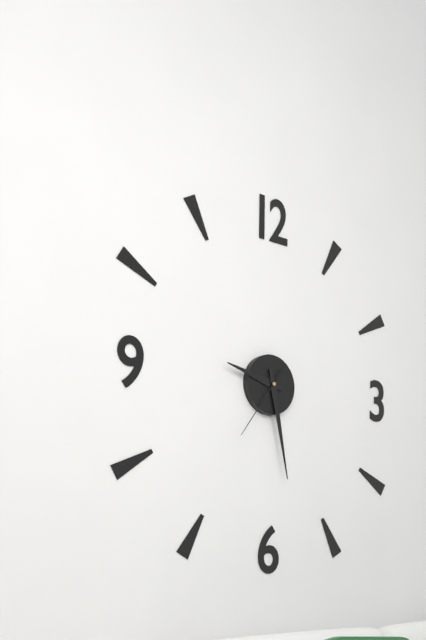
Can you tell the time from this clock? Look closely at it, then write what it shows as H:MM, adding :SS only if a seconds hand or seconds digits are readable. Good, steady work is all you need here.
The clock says 9:28:36
